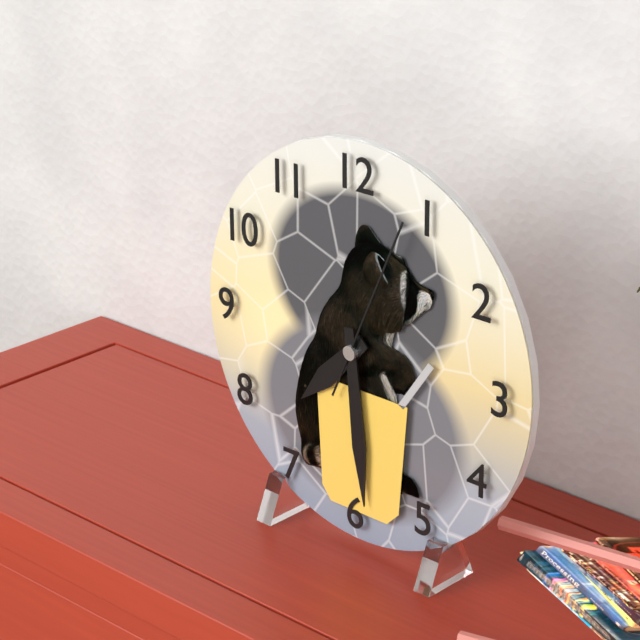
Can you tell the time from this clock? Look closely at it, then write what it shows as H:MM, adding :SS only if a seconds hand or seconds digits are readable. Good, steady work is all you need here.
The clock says 7:29:04
